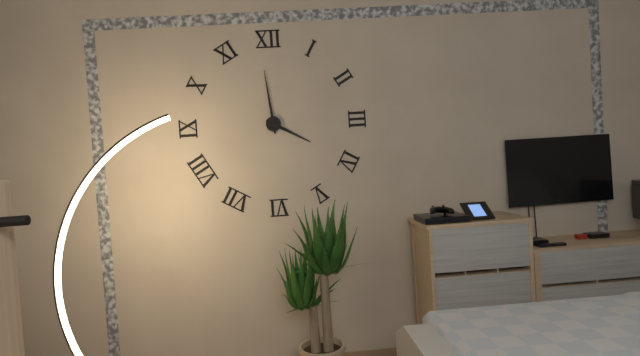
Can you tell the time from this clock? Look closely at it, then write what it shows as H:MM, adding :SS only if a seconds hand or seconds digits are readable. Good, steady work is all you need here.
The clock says 3:59
